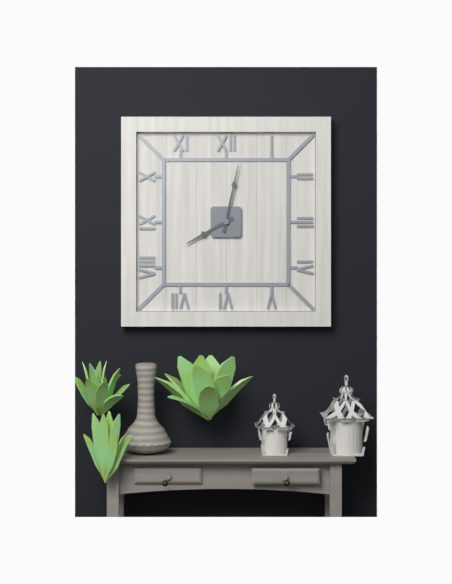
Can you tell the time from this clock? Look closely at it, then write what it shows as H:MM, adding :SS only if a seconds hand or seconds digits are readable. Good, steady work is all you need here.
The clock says 8:02
